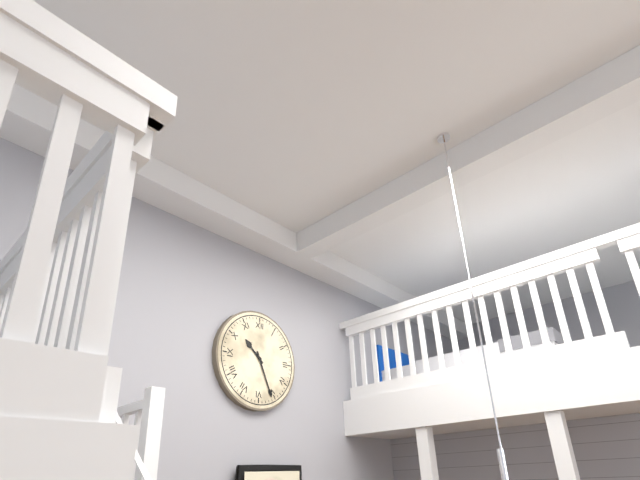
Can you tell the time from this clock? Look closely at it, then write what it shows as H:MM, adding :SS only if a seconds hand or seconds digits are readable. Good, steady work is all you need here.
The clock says 10:26
